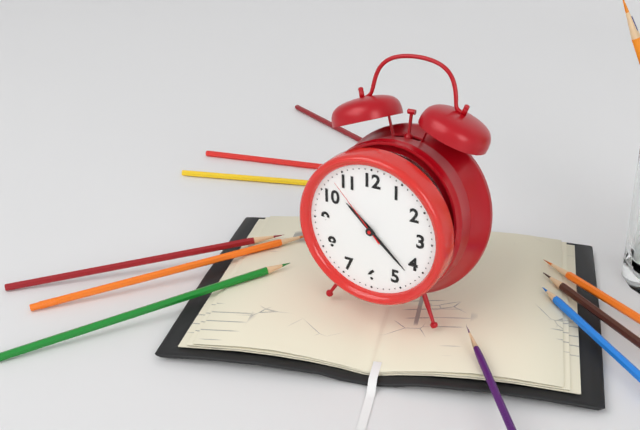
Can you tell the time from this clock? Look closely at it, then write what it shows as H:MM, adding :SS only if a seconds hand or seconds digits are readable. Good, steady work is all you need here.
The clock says 10:22:53
